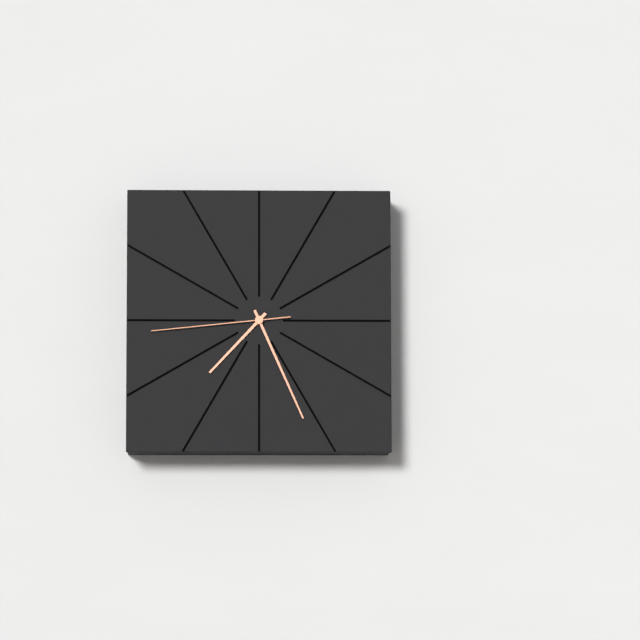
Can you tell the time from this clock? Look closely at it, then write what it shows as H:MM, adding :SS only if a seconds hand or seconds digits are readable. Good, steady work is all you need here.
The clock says 7:26:44
